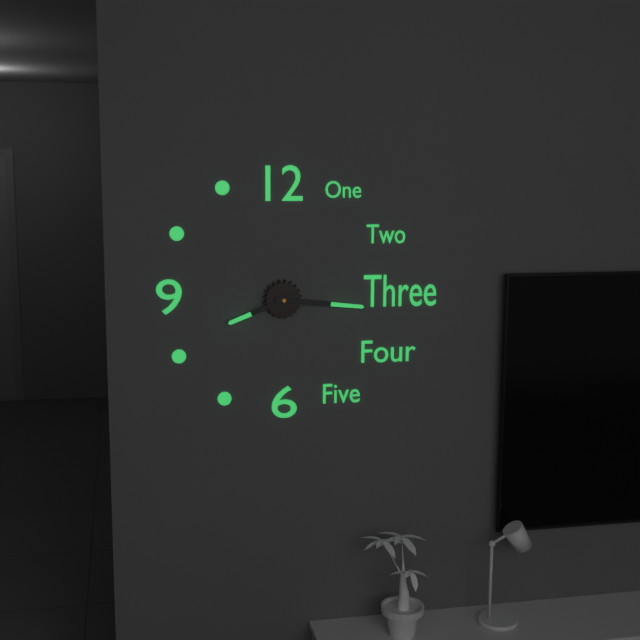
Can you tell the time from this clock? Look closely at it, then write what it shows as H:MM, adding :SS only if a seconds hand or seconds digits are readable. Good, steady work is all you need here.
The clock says 8:16
